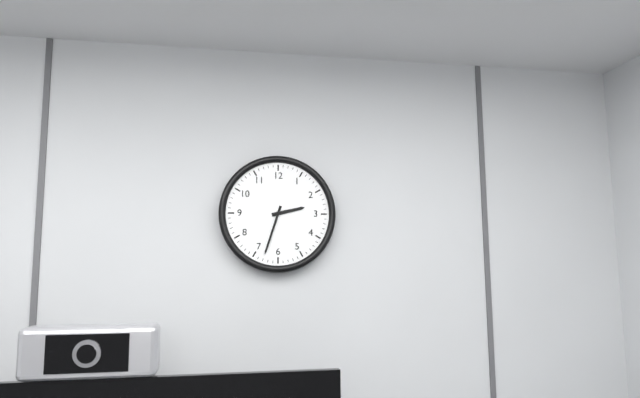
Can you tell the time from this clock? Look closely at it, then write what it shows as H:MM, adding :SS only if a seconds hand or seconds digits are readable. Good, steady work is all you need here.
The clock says 2:33
